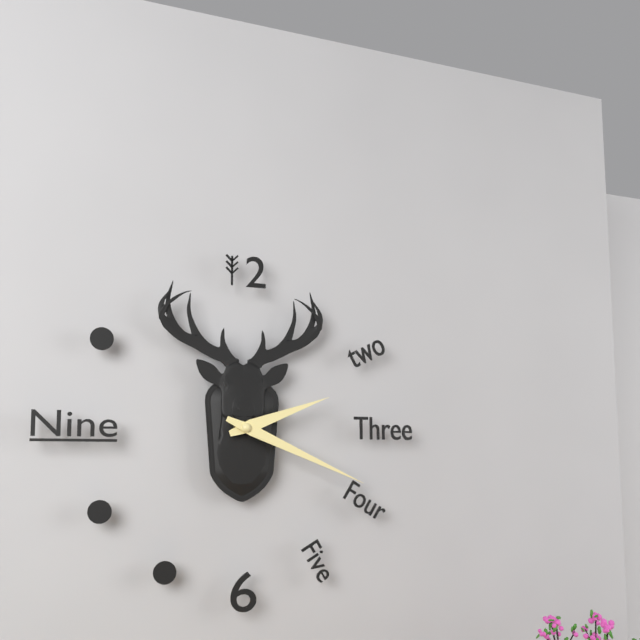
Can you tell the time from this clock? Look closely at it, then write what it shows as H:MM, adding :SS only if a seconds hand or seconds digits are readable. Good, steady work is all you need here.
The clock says 2:19
